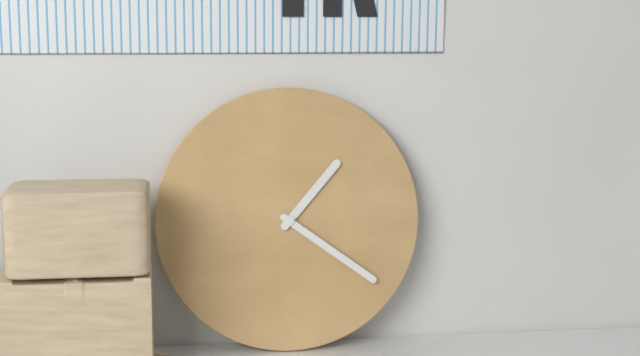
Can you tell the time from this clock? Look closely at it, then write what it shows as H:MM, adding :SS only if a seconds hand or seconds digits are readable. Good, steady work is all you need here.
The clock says 1:21
